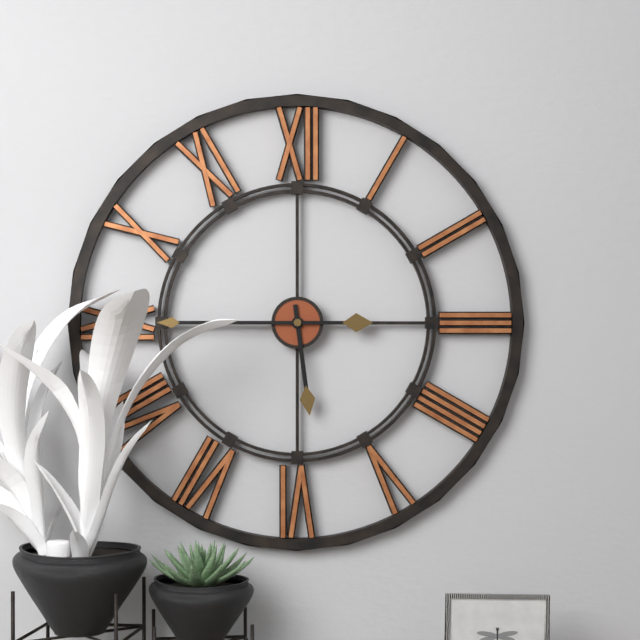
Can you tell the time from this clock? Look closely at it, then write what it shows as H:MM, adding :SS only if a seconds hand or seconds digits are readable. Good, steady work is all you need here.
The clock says 5:45
